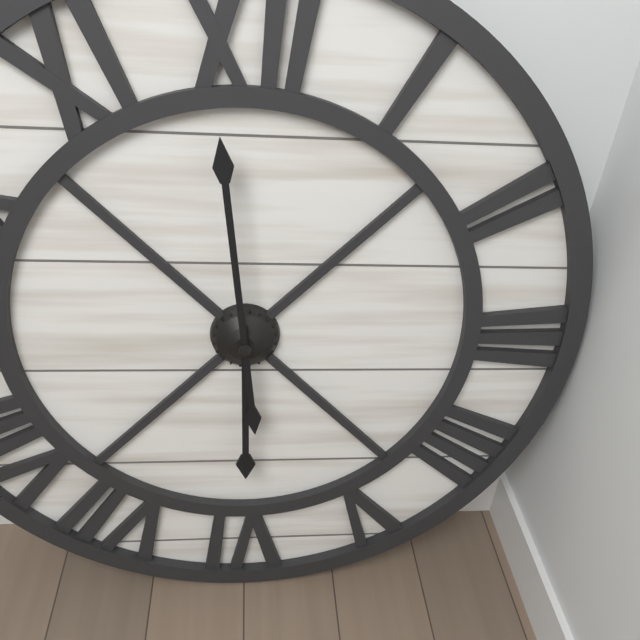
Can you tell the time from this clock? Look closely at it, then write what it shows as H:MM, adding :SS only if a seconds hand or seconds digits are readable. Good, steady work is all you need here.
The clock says 5:59
